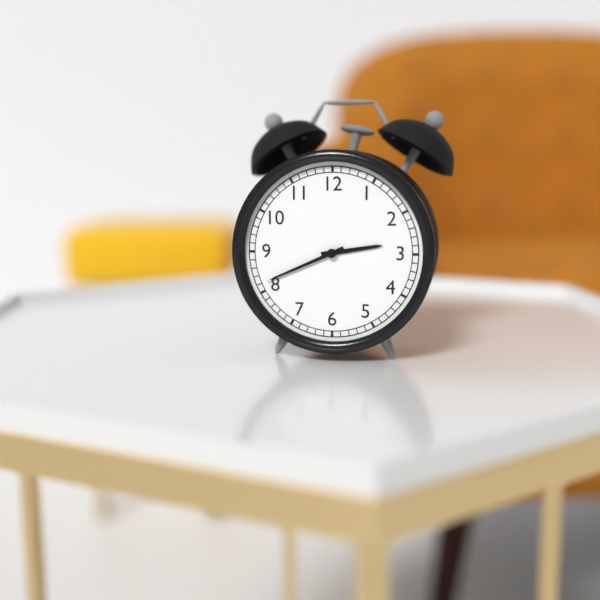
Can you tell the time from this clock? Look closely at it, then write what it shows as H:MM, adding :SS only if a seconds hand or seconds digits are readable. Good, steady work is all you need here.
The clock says 2:41
